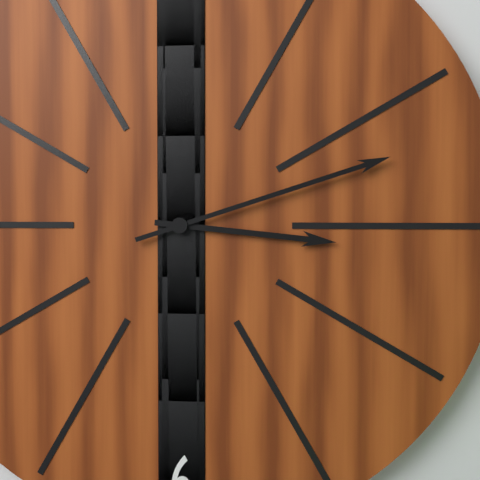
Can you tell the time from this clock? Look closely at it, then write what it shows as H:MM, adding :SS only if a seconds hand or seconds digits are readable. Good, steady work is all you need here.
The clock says 3:12
